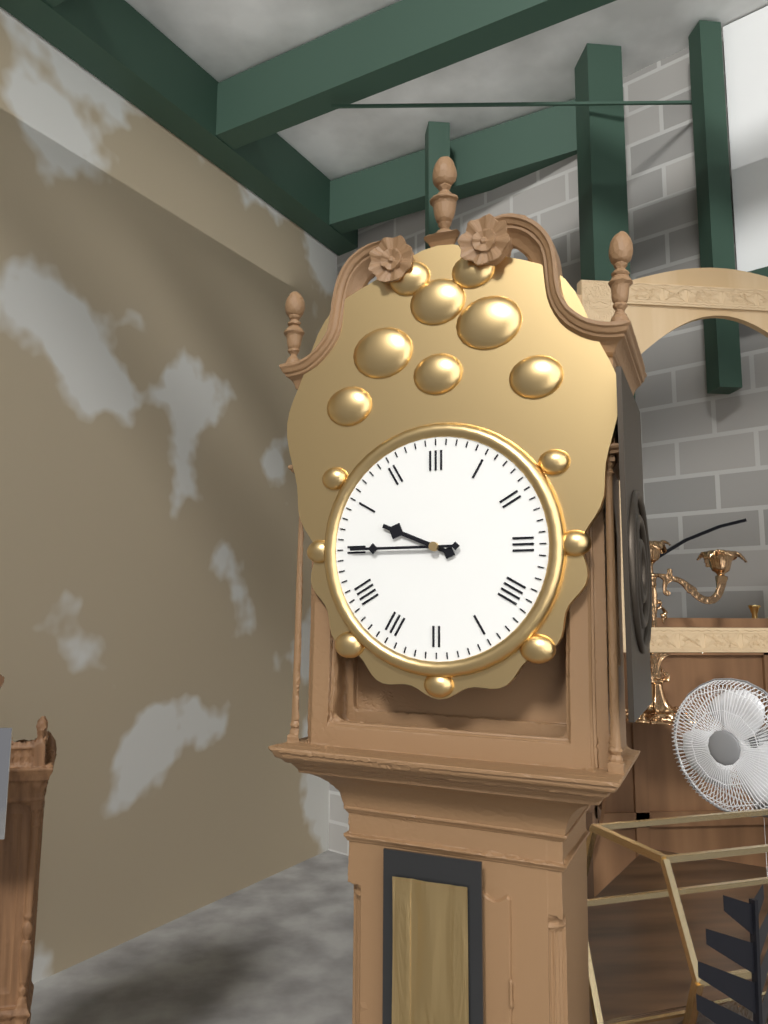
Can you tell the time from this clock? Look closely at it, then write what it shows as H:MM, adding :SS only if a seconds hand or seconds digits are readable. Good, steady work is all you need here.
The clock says 9:45
